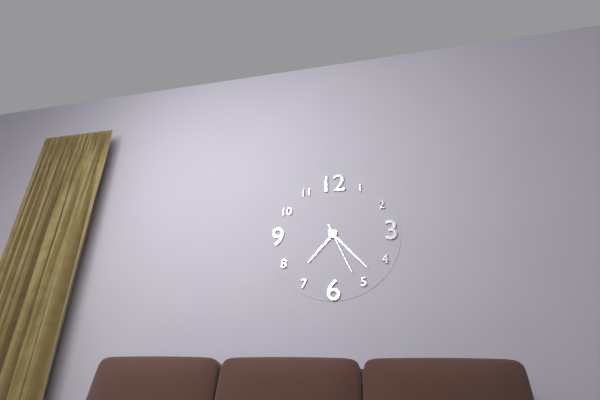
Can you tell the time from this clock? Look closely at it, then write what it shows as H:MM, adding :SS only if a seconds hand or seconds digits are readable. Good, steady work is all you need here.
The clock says 7:23:26
